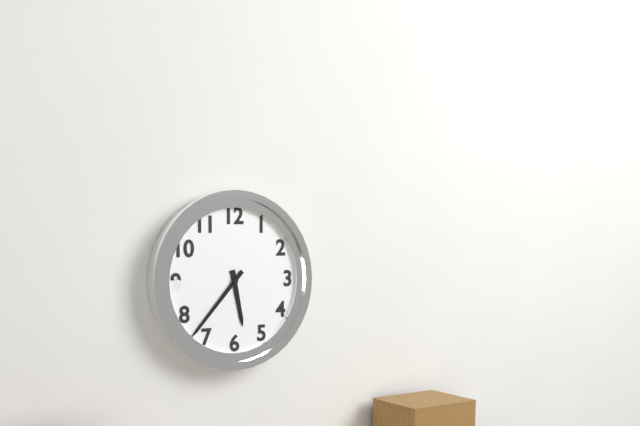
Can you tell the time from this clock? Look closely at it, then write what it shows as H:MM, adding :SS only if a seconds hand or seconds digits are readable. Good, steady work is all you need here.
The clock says 5:37
